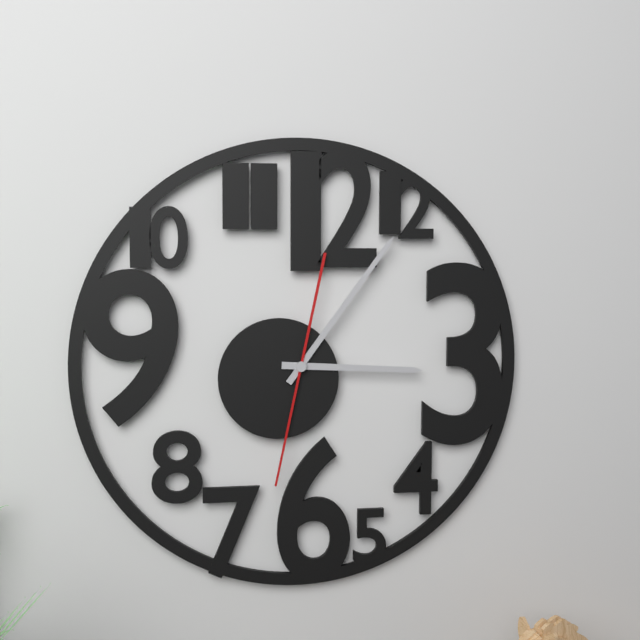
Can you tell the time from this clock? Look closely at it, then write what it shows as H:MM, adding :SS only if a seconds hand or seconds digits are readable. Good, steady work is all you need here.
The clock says 3:06:32
